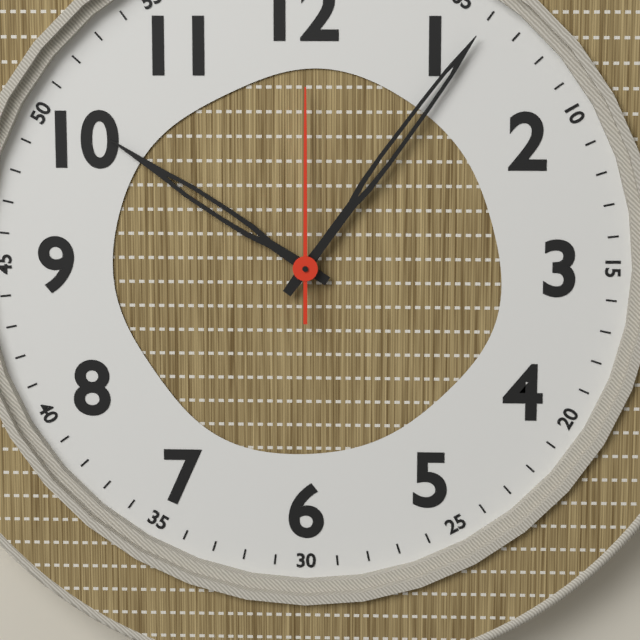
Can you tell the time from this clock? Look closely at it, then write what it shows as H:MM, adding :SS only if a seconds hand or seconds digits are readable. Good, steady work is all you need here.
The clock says 10:06:00
